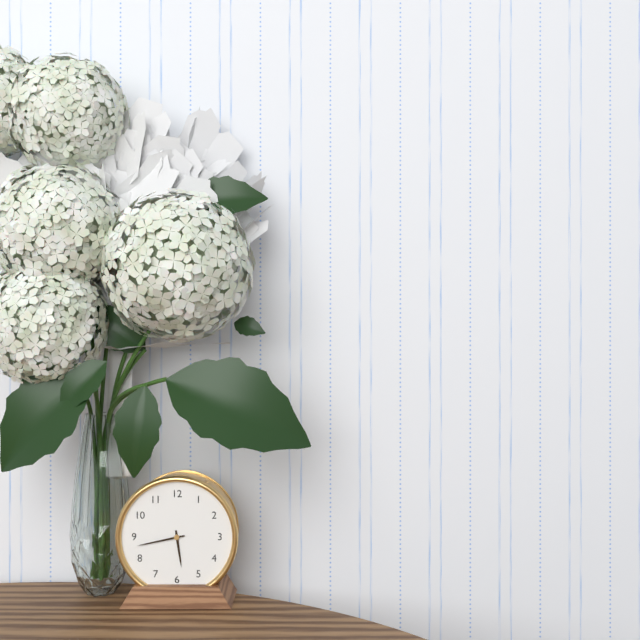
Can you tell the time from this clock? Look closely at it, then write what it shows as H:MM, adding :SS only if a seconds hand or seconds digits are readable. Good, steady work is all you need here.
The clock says 5:43
